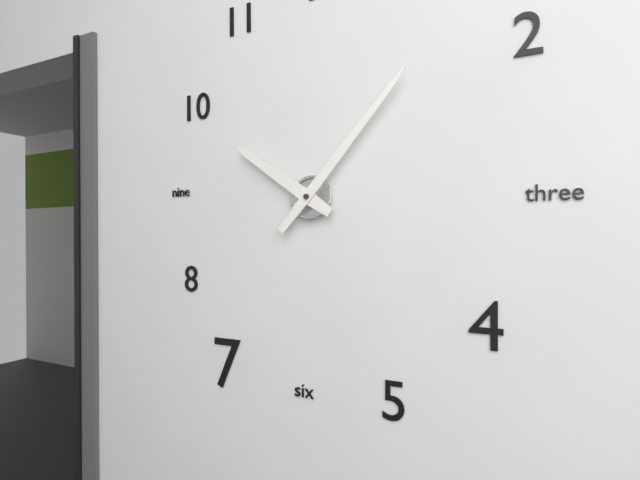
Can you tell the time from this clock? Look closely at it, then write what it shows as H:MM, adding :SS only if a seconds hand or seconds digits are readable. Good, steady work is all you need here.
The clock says 10:07
